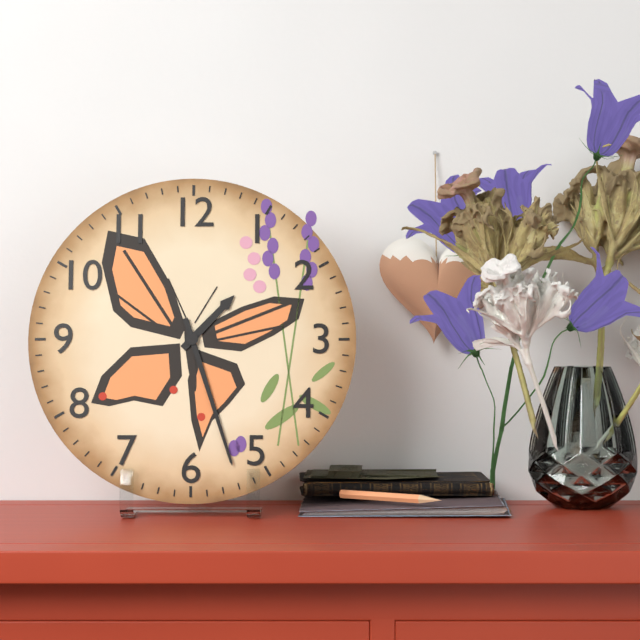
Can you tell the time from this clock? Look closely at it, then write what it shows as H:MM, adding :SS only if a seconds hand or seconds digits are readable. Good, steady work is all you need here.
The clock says 1:27
